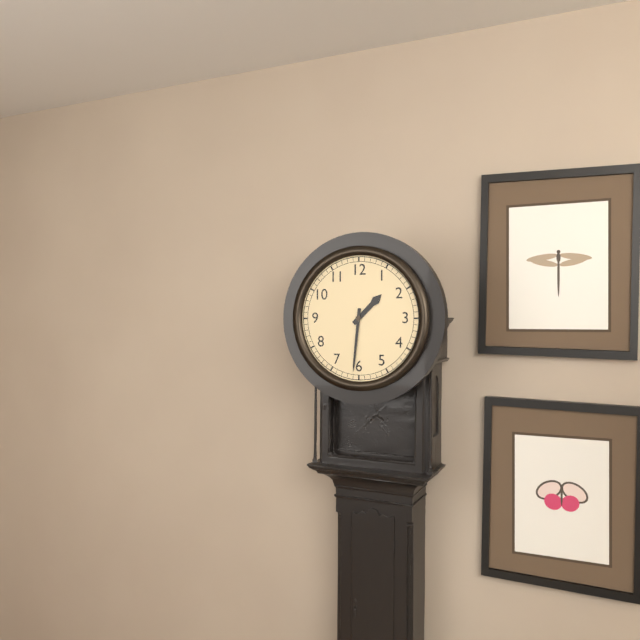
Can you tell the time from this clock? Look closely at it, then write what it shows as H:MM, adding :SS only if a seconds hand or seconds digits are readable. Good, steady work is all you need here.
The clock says 1:31
